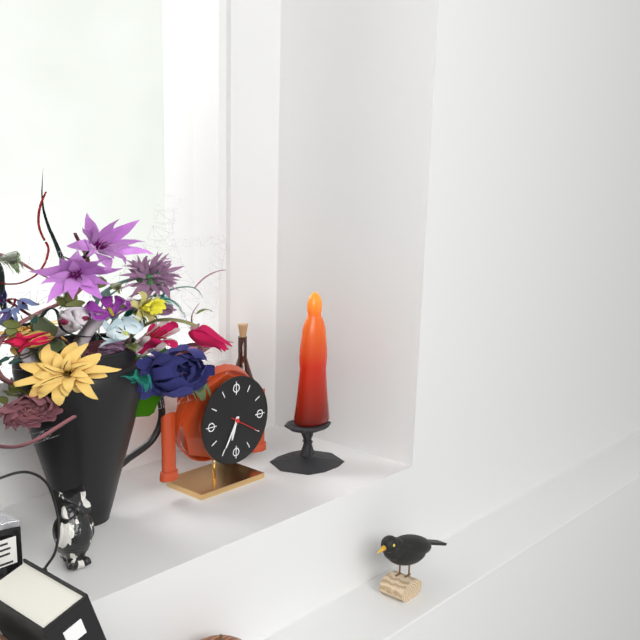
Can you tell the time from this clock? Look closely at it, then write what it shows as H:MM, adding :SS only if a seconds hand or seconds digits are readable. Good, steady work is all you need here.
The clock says 6:35
